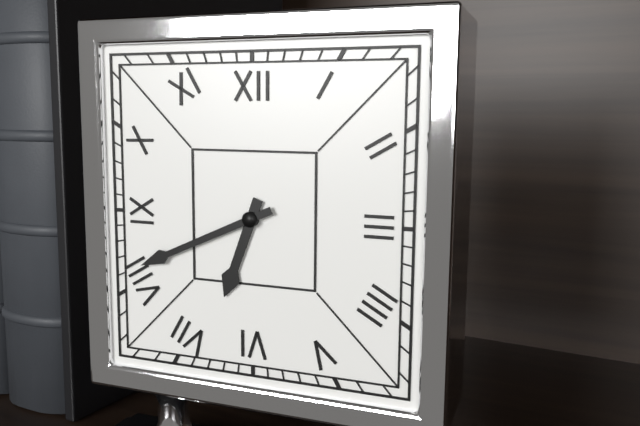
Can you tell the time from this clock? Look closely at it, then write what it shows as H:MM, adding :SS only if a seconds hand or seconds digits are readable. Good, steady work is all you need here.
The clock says 6:41
